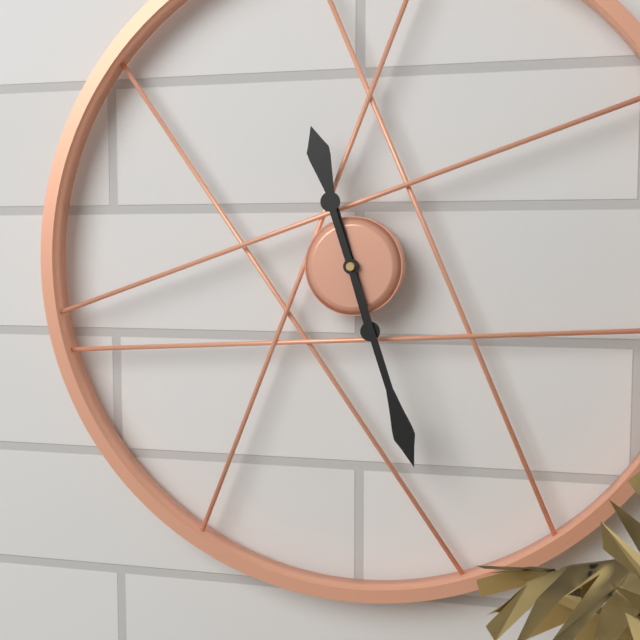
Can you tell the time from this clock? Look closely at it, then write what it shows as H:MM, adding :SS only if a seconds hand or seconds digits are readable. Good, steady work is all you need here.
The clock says 11:27
